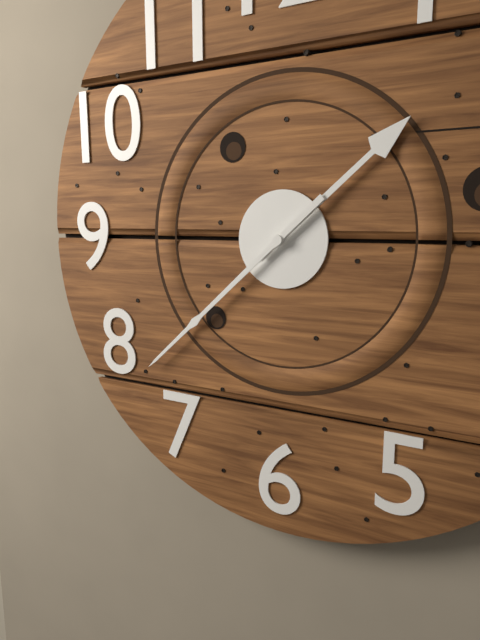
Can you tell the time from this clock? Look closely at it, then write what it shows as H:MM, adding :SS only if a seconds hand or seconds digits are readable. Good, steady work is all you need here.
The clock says 1:38
